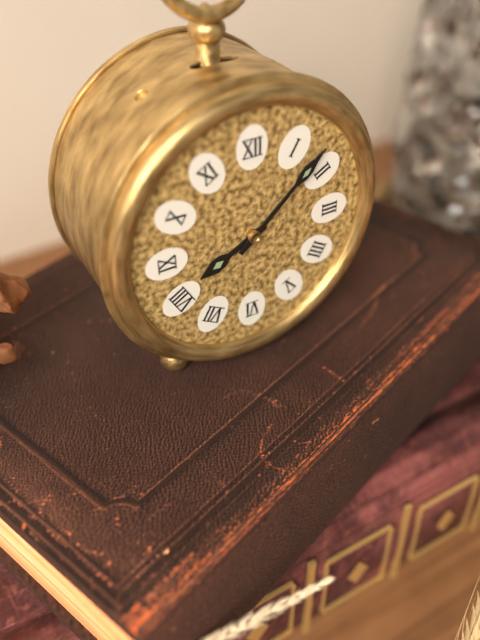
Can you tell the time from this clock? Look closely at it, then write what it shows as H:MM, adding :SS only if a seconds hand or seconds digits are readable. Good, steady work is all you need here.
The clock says 8:08
